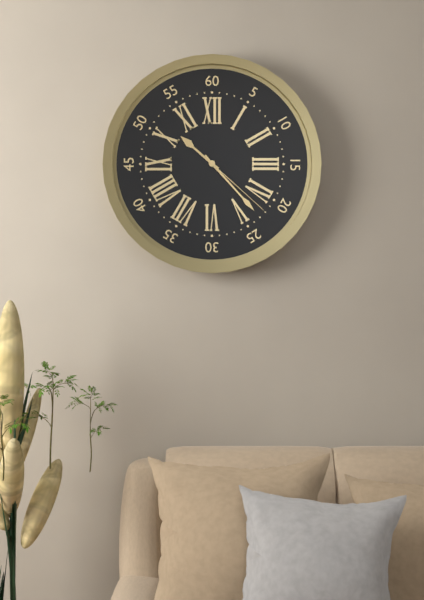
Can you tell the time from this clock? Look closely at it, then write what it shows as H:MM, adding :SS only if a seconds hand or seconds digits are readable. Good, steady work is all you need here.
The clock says 10:23:22
